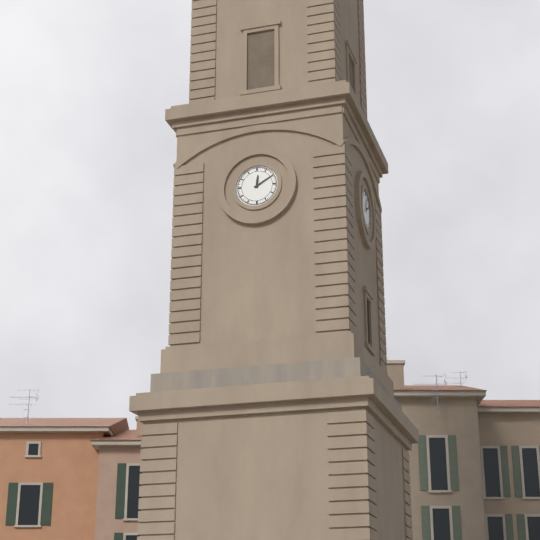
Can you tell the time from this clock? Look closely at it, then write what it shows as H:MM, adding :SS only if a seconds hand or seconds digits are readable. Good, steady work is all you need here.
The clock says 12:10
